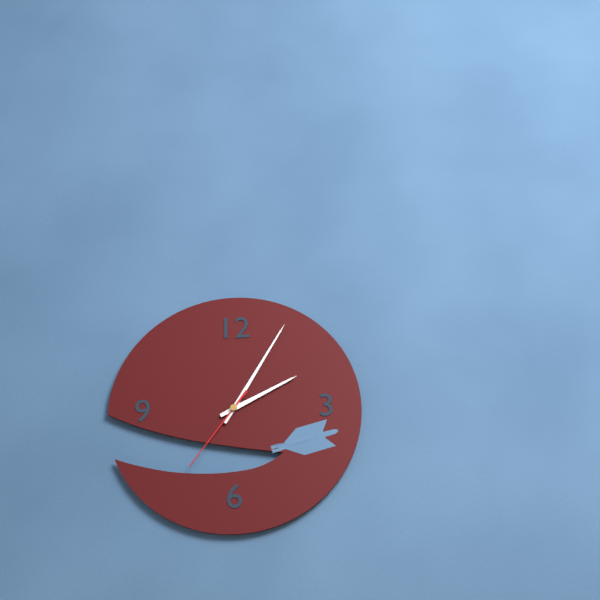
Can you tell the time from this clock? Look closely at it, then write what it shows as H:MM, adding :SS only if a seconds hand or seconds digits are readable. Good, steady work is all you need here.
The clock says 2:05:36
